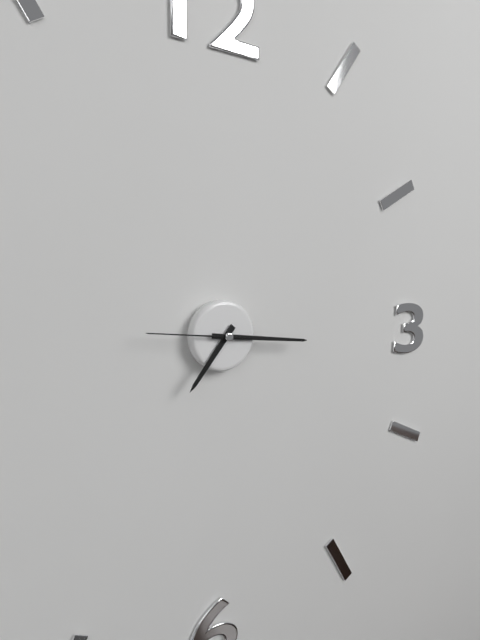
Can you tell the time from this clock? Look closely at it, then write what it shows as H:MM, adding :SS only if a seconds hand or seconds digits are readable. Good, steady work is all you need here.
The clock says 7:16:46
